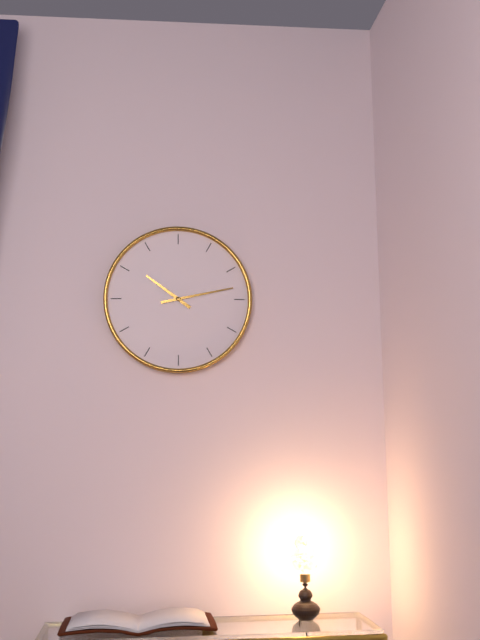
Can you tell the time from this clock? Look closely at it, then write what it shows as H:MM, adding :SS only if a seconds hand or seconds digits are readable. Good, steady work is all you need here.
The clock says 10:13
